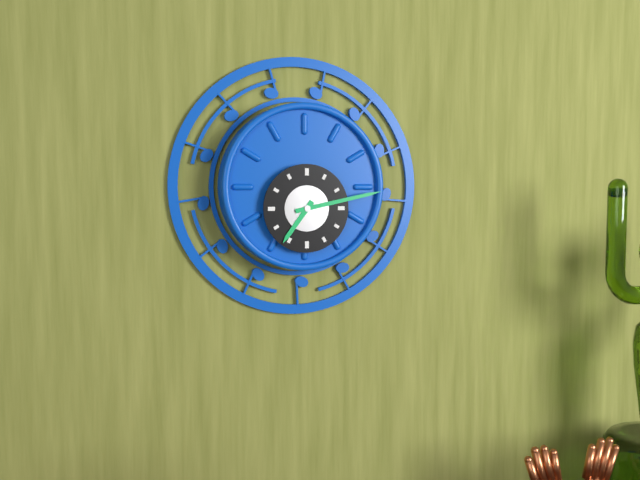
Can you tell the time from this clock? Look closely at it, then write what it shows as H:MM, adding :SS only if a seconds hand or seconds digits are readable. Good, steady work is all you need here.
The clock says 7:13
